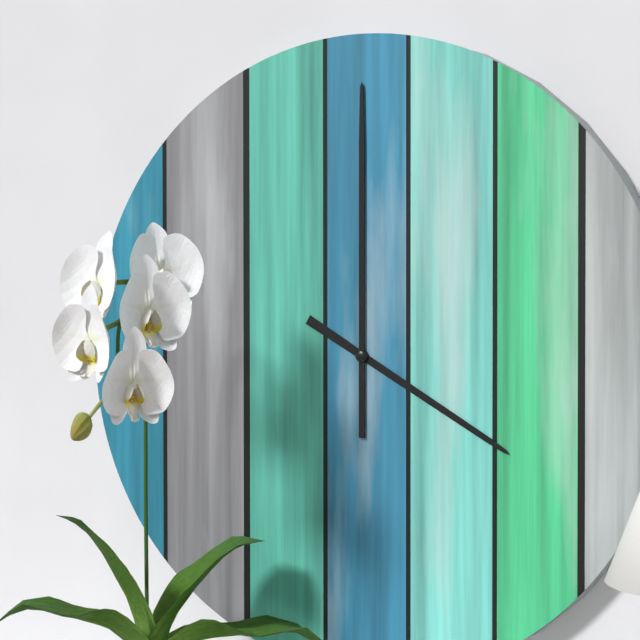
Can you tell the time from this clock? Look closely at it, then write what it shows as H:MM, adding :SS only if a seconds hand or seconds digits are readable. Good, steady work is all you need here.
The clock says 4:00
